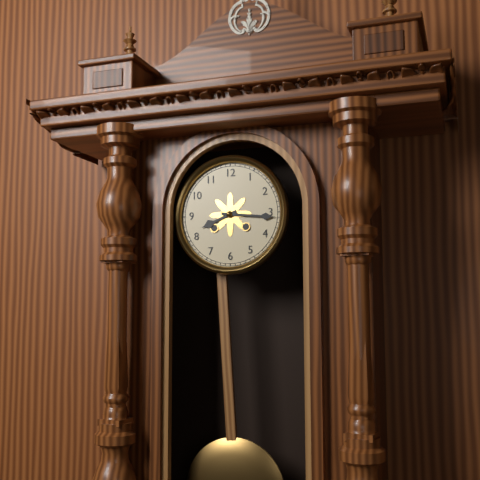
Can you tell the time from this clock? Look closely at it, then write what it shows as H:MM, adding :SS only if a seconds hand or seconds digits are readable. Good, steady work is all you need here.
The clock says 8:16
